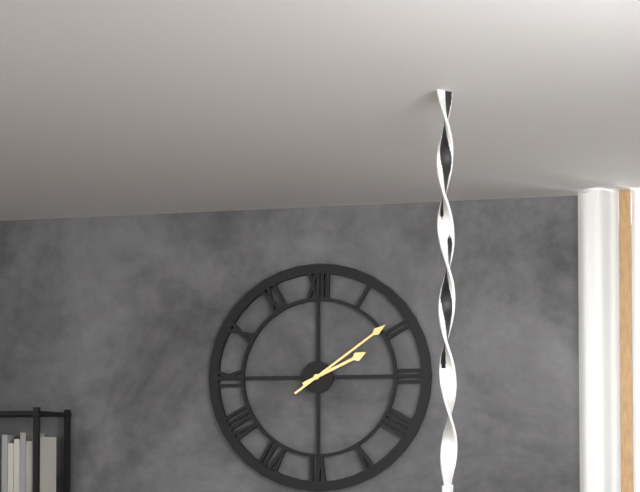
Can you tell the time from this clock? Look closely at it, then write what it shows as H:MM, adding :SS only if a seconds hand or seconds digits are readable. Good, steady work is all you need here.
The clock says 2:09
